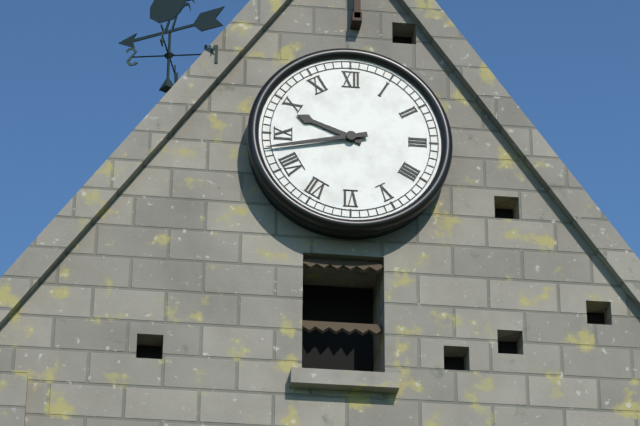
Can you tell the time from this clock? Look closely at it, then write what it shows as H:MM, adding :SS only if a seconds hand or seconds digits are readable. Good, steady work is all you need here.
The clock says 9:43
